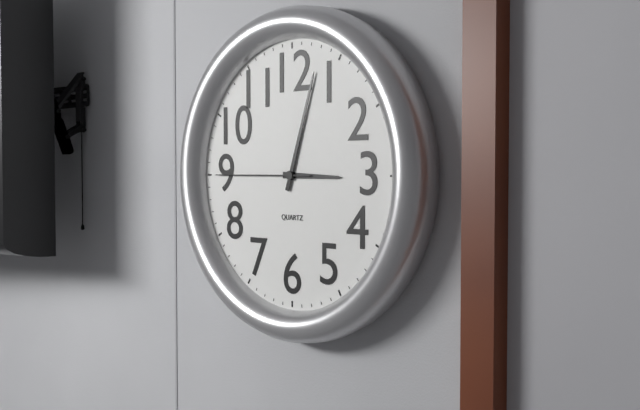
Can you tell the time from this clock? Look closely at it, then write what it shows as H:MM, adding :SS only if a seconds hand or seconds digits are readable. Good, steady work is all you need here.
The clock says 3:03:45
